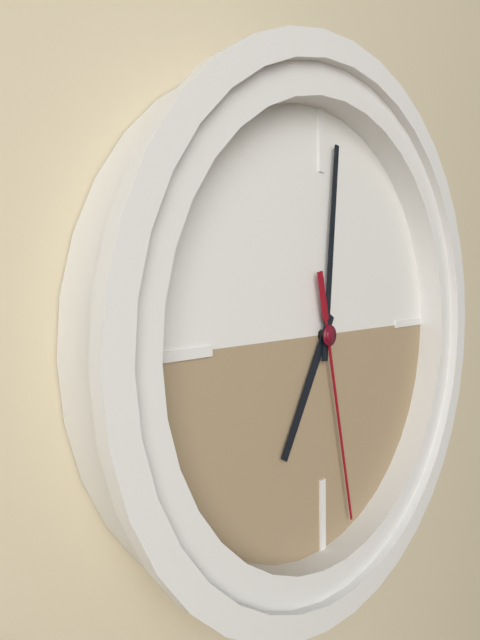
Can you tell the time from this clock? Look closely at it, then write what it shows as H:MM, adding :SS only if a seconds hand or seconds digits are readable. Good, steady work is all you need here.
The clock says 7:01:28
